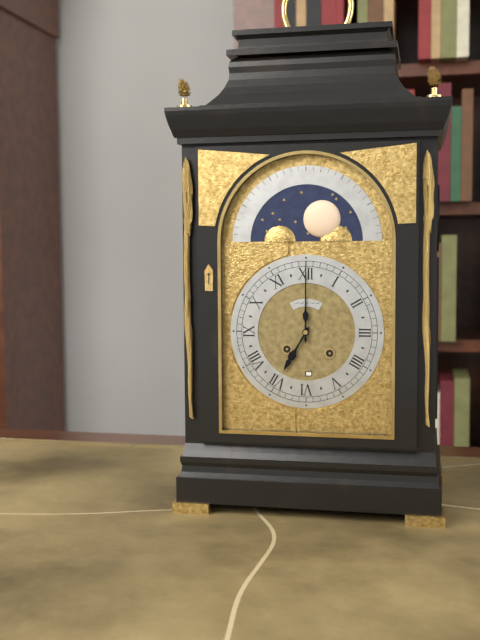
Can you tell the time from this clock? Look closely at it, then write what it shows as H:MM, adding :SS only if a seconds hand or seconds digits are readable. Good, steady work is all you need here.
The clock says 7:00
